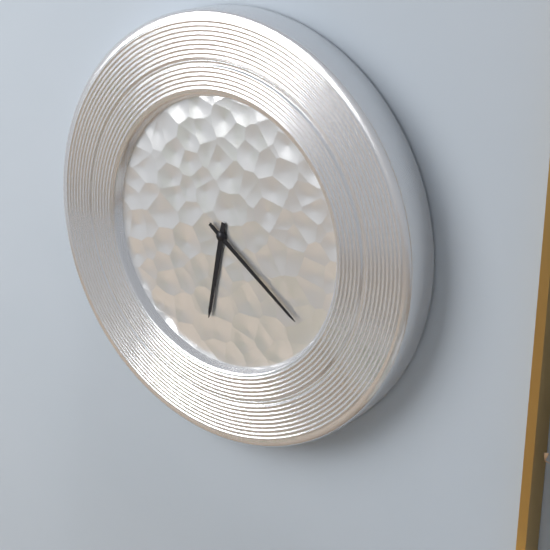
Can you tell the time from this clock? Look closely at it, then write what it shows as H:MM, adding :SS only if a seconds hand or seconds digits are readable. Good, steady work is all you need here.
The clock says 6:21
